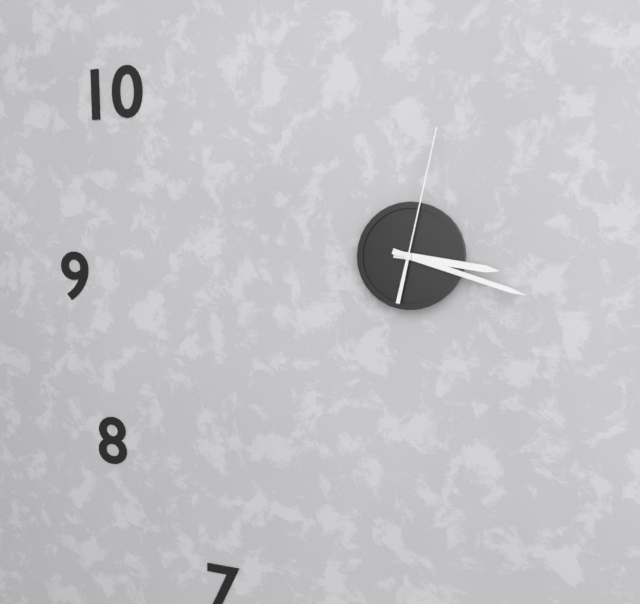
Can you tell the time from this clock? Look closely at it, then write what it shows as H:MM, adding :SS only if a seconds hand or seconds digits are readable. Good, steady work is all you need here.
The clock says 3:18:02
